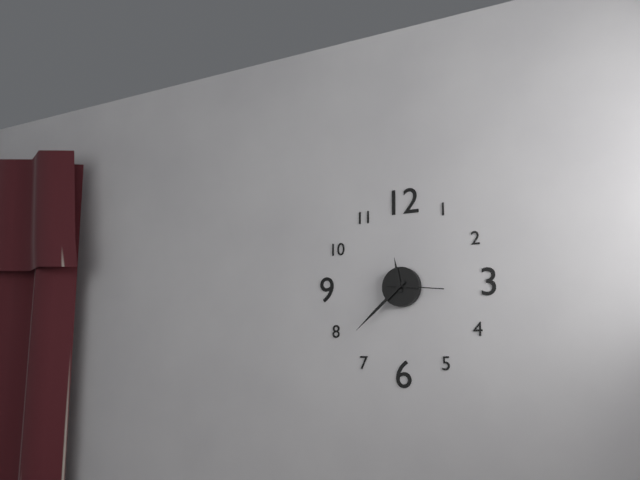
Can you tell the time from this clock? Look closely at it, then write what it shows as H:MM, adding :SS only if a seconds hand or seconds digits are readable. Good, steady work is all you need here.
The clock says 11:38:16
